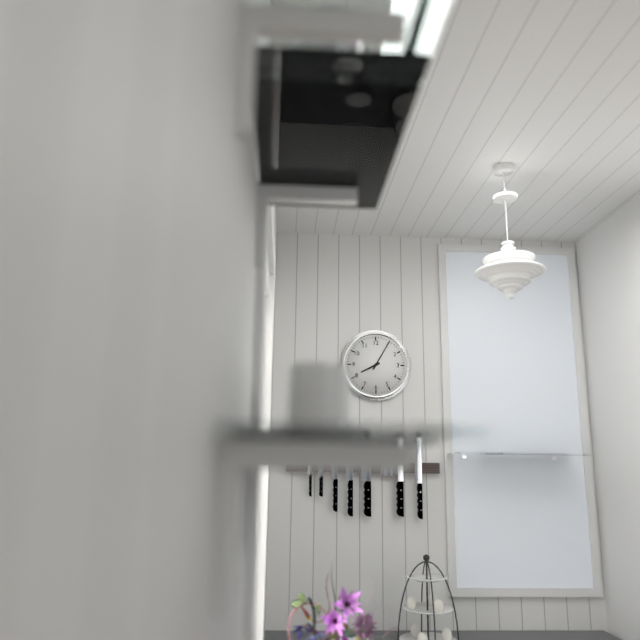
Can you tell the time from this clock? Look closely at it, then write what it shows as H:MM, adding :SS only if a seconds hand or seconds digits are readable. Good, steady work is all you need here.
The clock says 8:05
